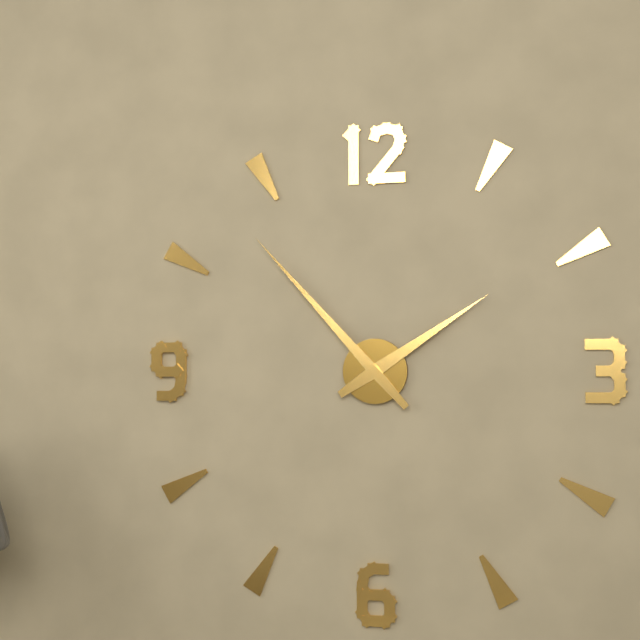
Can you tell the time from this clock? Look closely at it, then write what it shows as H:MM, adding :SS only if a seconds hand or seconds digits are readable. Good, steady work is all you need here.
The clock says 1:53
